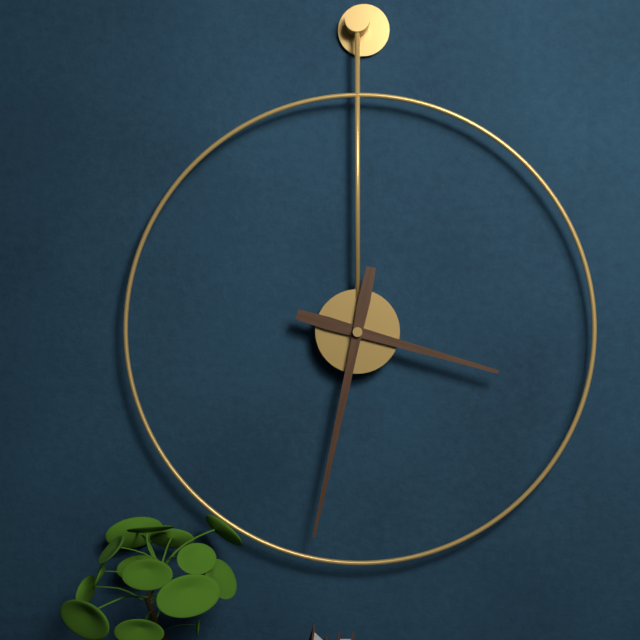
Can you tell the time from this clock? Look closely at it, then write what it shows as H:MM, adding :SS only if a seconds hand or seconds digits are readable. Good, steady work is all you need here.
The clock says 3:32
